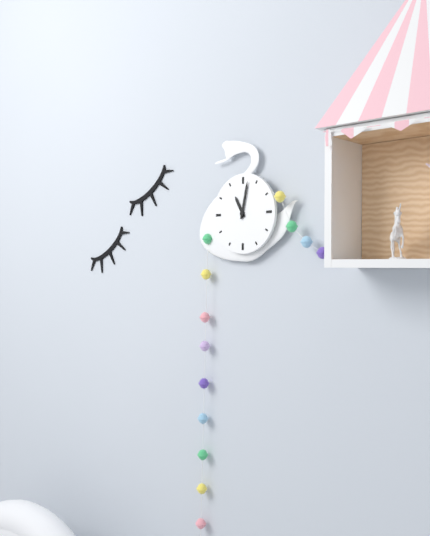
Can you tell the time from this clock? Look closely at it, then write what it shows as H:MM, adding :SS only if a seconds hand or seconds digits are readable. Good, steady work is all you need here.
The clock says 11:02
